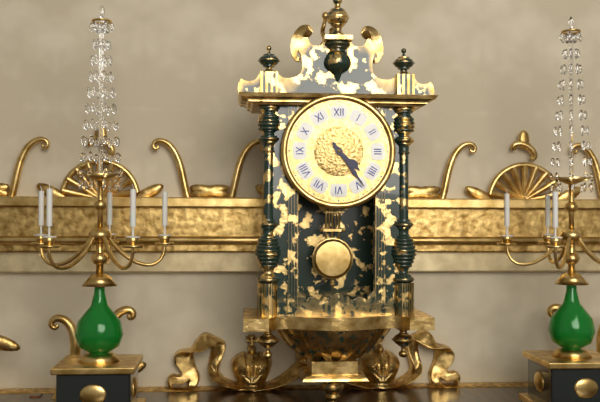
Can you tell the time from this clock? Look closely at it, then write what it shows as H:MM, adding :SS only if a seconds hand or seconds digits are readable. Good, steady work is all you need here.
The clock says 4:24
